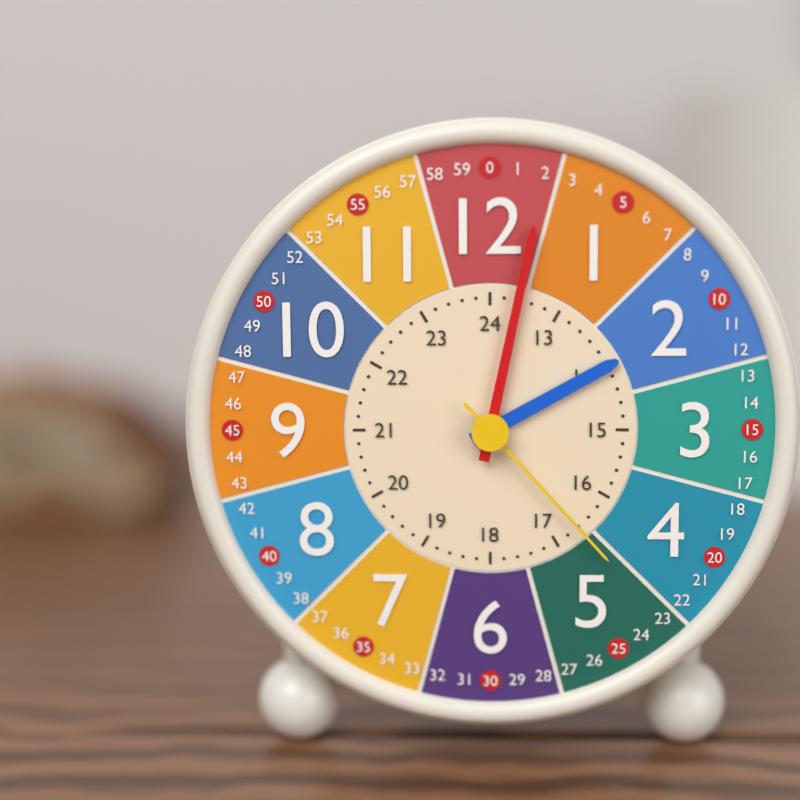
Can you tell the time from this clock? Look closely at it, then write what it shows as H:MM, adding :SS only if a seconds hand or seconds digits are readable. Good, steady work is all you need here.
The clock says 2:02:23
